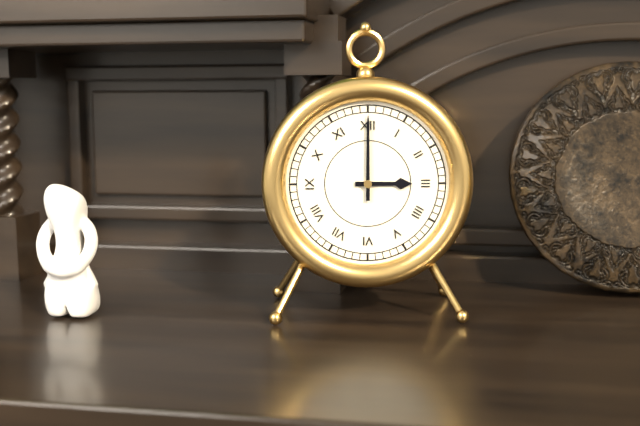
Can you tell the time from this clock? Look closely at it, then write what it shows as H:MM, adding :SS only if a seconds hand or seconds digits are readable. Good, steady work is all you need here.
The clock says 3:00
